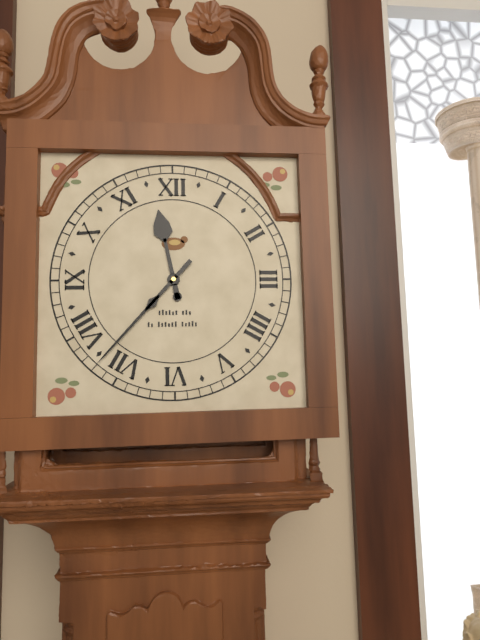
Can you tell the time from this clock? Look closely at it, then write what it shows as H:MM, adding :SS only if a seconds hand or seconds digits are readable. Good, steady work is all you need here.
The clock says 11:37
